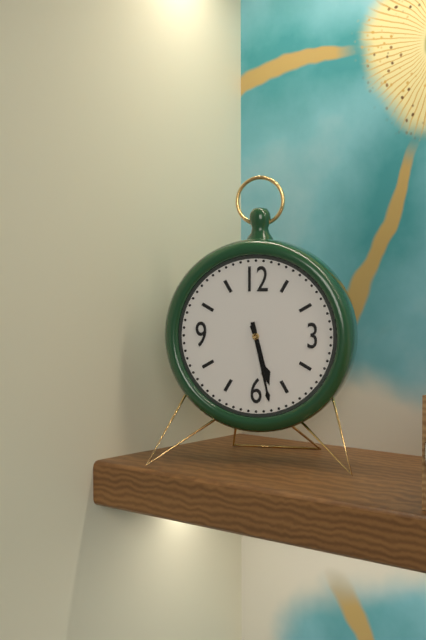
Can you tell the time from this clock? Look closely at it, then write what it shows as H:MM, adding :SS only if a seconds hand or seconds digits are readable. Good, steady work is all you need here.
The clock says 5:28
